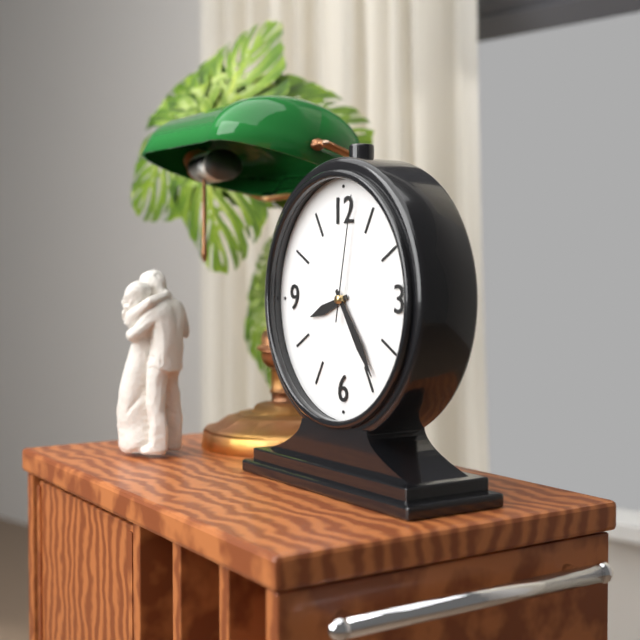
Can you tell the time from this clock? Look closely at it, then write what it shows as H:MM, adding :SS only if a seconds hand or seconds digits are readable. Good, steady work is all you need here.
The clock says 8:24:02
